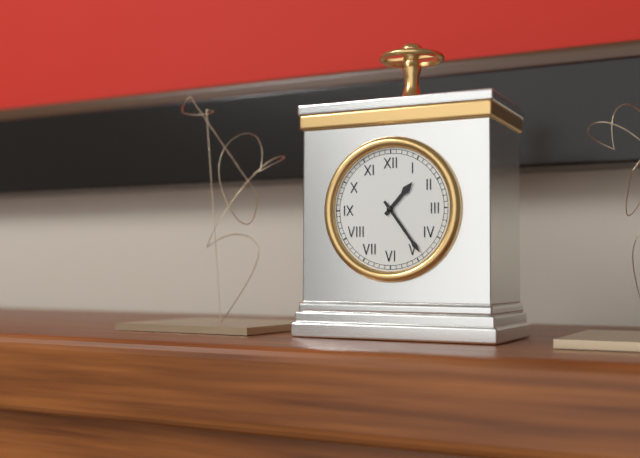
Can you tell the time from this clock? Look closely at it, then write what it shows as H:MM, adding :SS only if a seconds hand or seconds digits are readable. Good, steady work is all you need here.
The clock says 1:24
